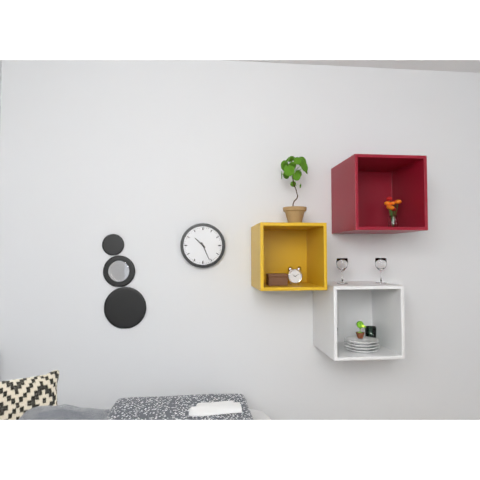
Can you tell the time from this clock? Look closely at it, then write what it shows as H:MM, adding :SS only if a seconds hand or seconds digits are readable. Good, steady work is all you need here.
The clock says 10:26
